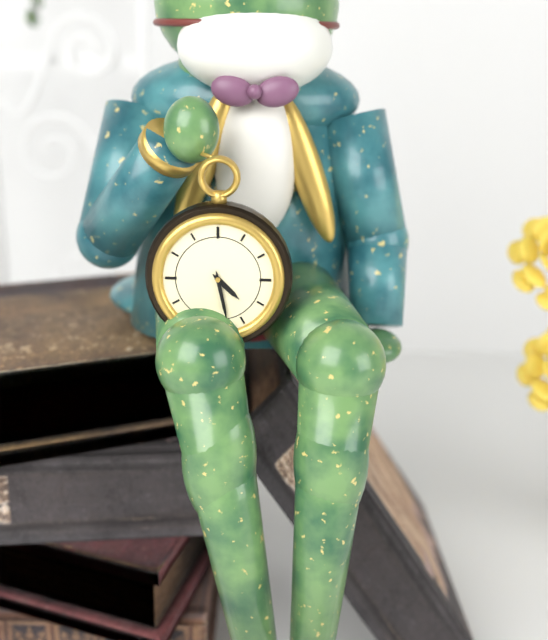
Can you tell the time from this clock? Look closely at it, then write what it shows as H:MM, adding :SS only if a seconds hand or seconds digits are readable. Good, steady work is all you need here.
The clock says 4:28
